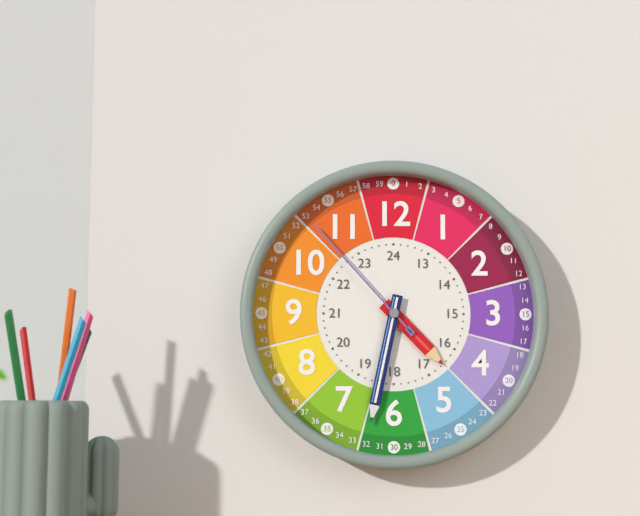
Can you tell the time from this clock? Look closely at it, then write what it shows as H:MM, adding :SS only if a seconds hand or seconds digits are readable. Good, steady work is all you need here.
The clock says 4:32:53
